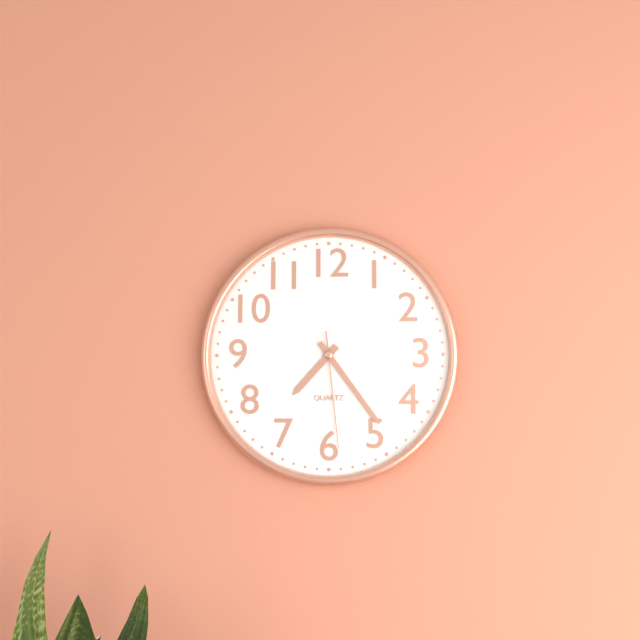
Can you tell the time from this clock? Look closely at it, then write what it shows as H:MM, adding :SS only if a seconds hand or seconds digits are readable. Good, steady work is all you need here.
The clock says 7:24:29
